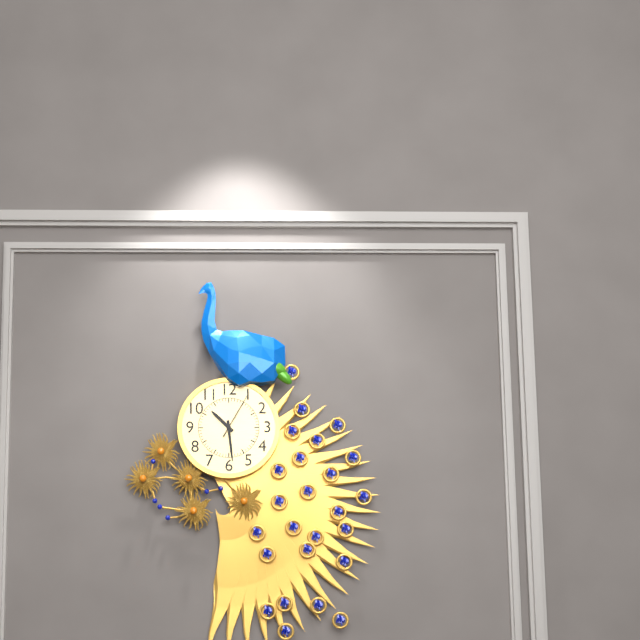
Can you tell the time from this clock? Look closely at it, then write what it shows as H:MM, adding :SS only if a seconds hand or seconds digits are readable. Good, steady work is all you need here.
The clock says 10:29:05
